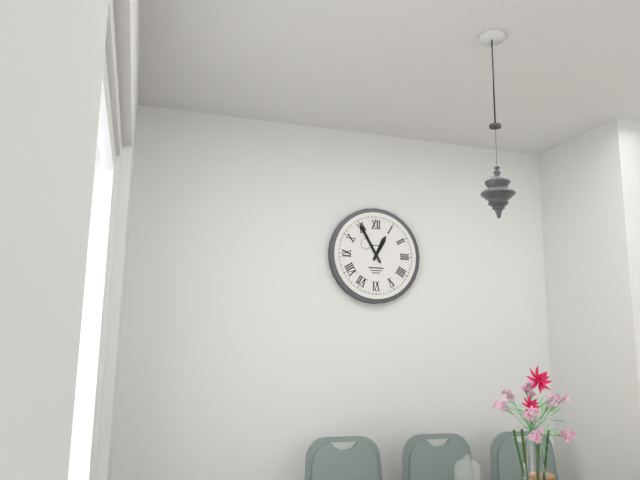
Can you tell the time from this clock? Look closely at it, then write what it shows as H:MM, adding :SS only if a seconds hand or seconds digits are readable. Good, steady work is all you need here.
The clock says 12:55
